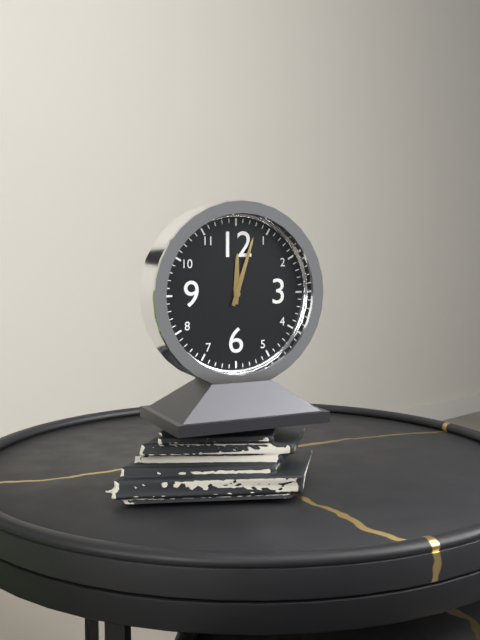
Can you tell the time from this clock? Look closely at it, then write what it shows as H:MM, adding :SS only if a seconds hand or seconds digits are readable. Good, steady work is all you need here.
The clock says 12:03
